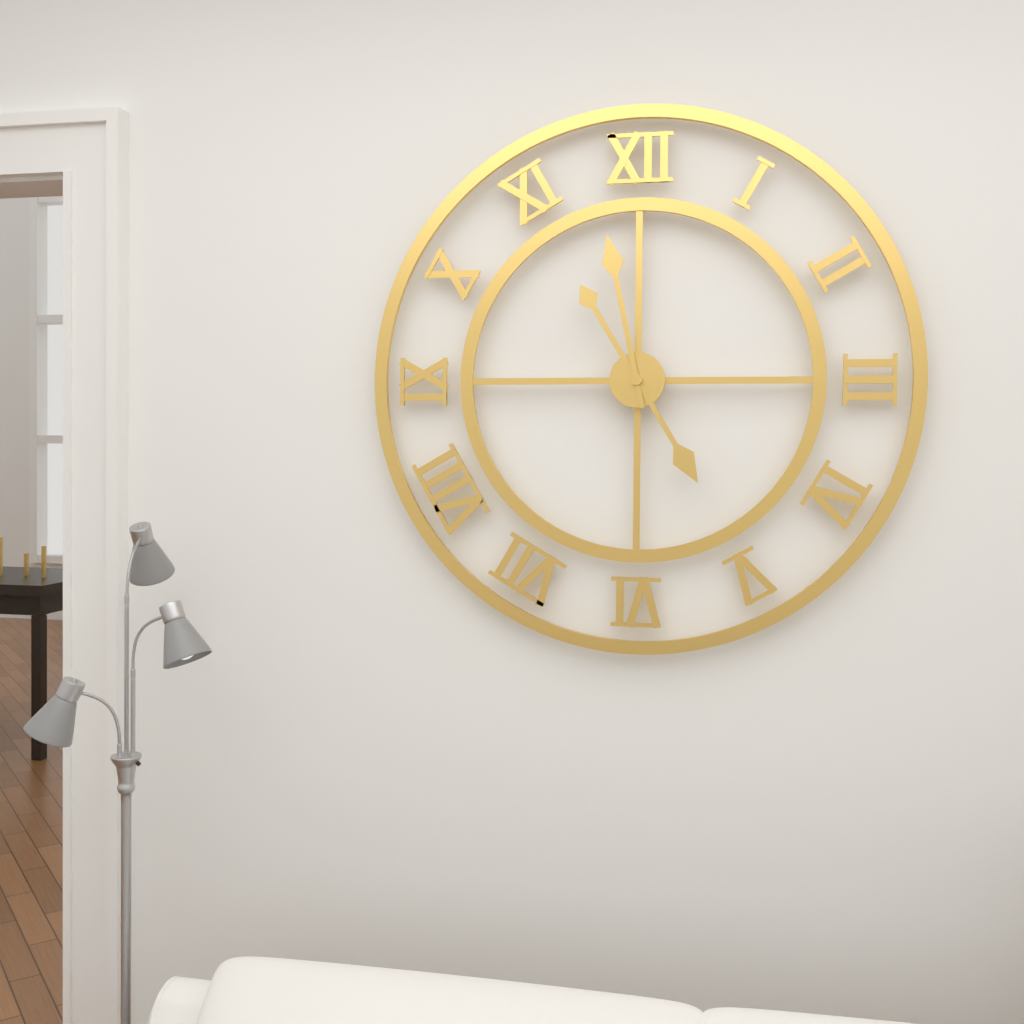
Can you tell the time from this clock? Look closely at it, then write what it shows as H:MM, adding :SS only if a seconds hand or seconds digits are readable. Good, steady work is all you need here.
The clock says 4:58
